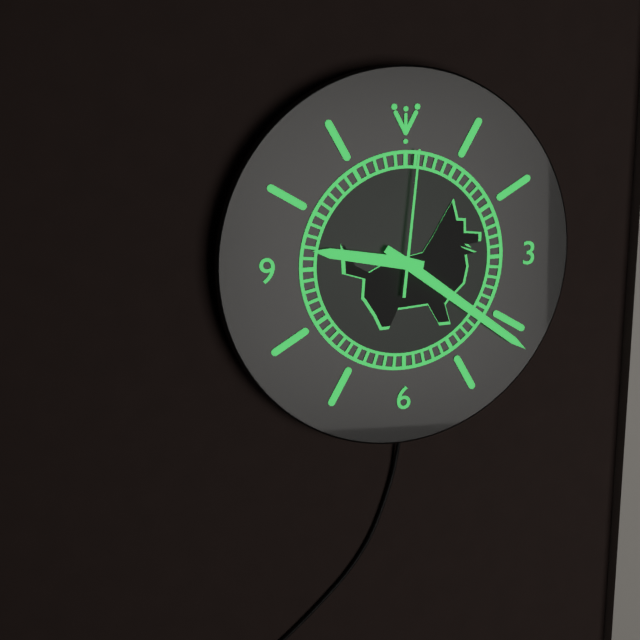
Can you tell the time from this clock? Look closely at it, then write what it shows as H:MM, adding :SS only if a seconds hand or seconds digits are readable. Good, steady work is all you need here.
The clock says 9:21:01
